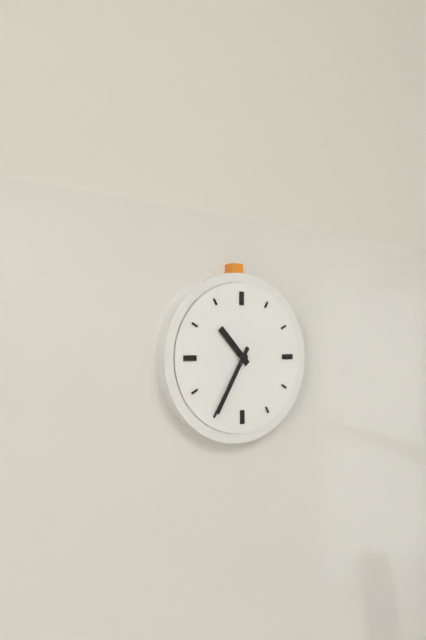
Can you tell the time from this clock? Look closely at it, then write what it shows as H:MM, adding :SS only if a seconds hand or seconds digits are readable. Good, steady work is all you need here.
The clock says 10:35
